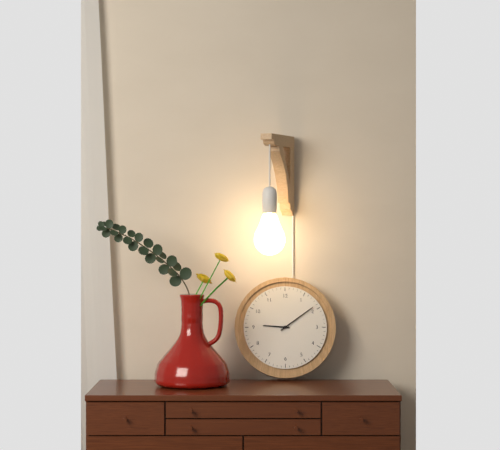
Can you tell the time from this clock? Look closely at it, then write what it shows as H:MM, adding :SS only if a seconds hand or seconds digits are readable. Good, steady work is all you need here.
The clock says 9:09
